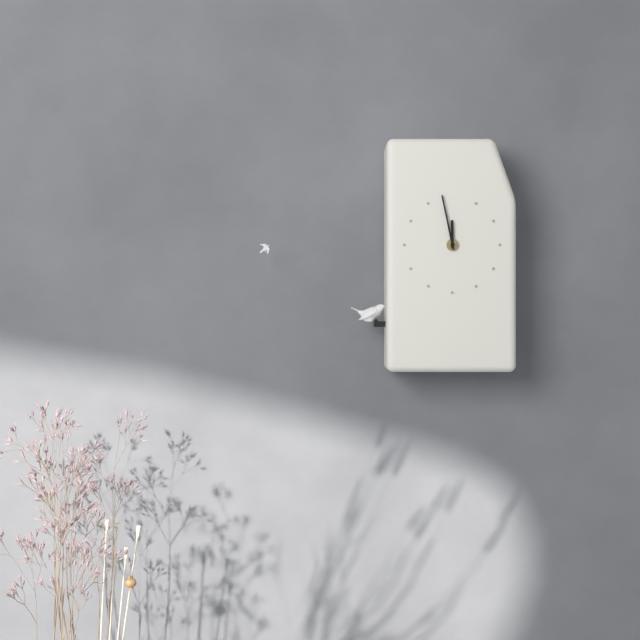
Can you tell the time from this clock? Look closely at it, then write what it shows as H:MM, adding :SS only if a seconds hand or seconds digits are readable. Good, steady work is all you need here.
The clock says 11:58
